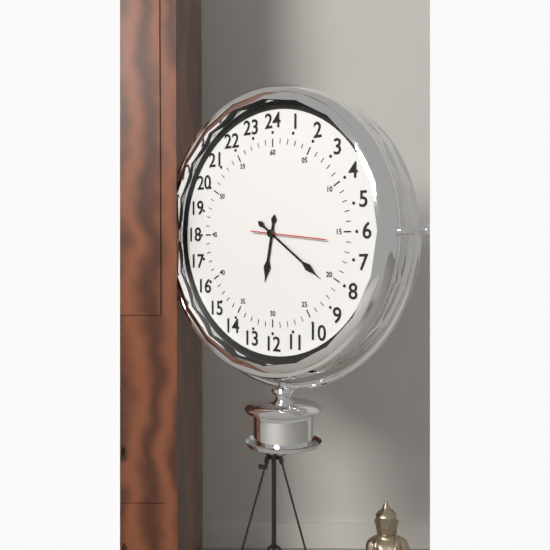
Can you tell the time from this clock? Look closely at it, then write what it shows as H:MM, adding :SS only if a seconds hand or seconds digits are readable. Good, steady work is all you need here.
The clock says 6:21:16
